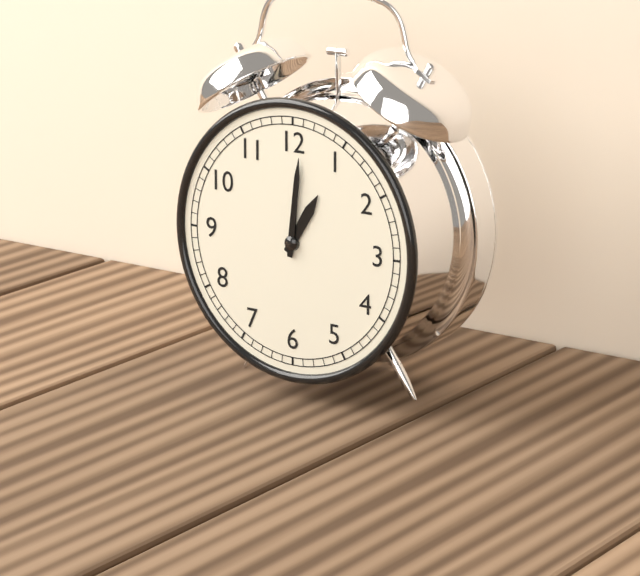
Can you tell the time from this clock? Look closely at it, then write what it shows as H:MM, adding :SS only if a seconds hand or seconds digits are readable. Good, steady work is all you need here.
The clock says 1:01
